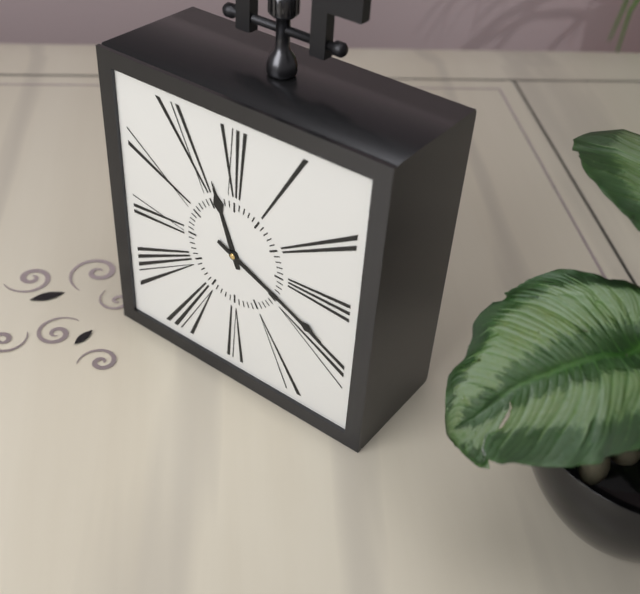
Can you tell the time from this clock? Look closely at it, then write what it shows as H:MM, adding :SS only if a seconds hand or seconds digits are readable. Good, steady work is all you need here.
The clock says 11:19
